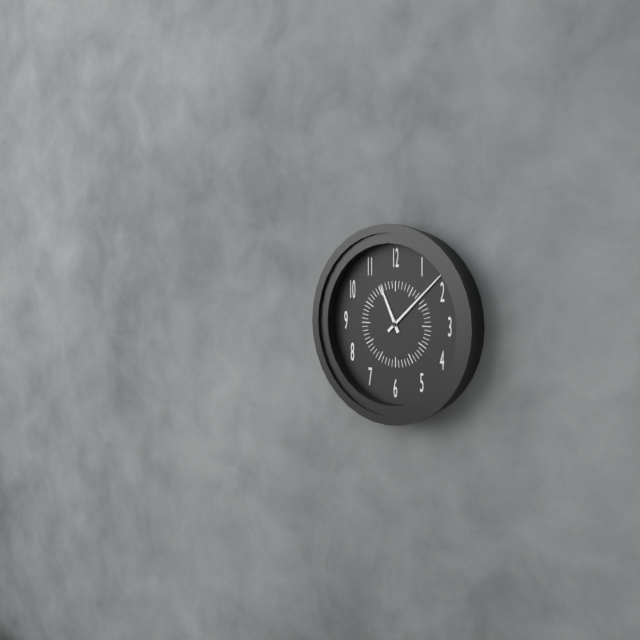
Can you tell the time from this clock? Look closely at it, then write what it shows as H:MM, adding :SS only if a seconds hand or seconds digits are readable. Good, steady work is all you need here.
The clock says 11:08
